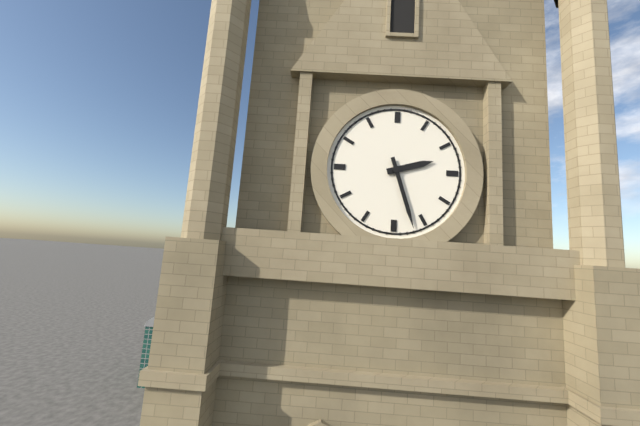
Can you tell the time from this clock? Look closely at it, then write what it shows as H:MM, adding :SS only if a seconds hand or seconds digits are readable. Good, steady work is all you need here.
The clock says 2:27
